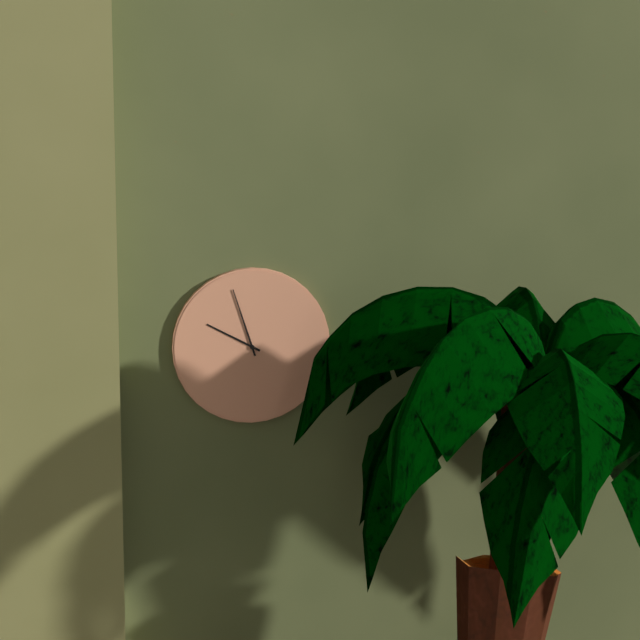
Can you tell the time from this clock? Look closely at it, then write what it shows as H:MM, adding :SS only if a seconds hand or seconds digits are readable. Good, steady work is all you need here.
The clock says 9:57
